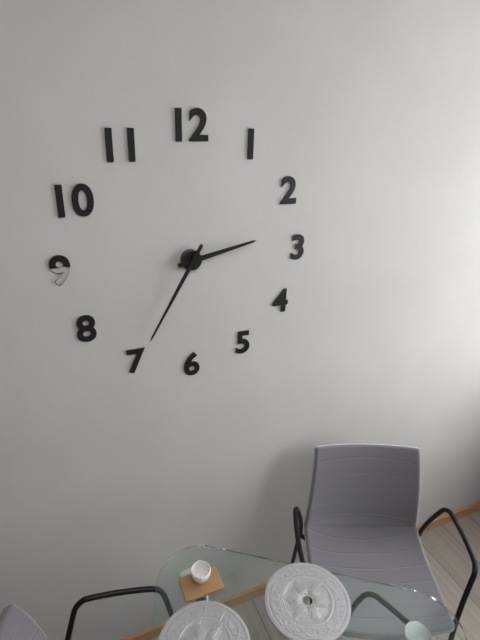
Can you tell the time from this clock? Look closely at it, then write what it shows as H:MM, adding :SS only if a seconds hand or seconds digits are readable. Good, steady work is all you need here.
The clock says 2:35
